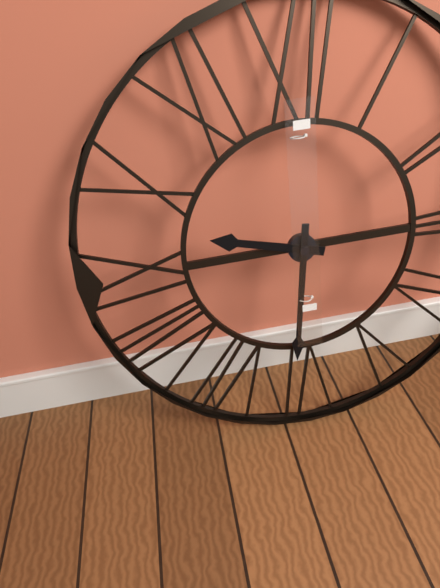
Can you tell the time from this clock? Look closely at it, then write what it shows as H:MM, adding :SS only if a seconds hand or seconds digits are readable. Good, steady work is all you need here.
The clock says 9:31
